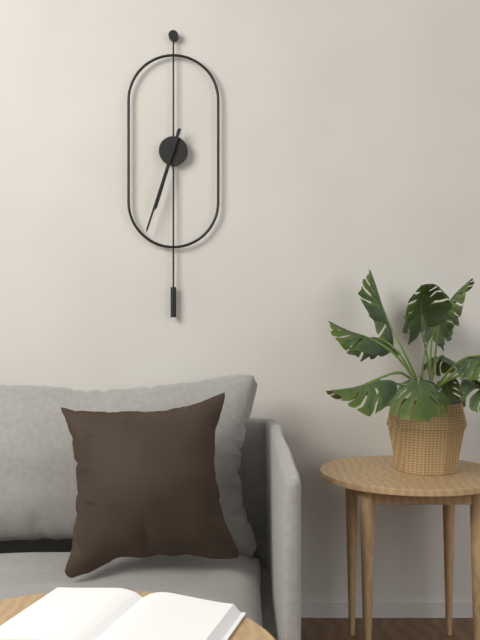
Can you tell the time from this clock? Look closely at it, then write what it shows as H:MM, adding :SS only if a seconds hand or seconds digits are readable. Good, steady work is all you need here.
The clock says 6:33
